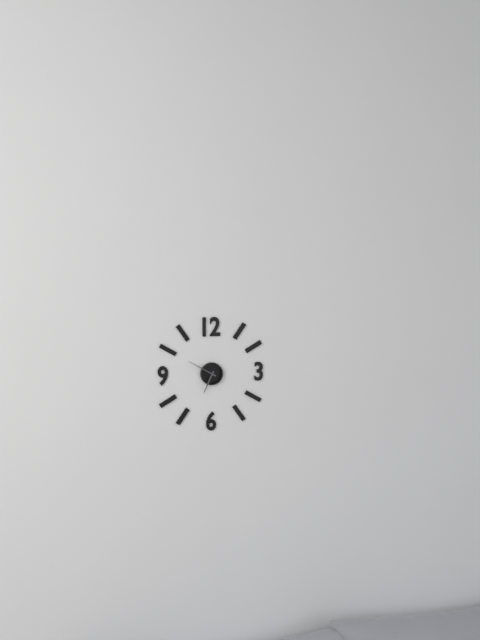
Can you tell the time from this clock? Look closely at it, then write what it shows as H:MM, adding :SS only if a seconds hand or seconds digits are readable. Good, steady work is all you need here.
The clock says 6:50
